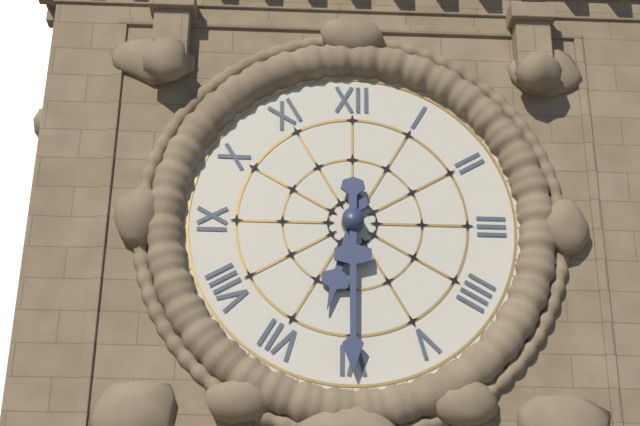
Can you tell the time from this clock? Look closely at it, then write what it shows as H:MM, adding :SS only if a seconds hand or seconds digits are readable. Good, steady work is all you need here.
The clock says 6:30
